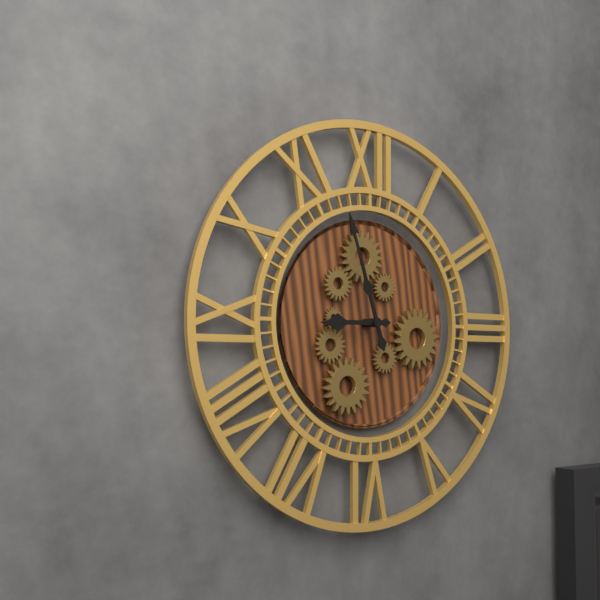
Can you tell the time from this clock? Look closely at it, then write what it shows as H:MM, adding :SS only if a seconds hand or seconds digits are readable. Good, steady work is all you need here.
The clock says 8:57
